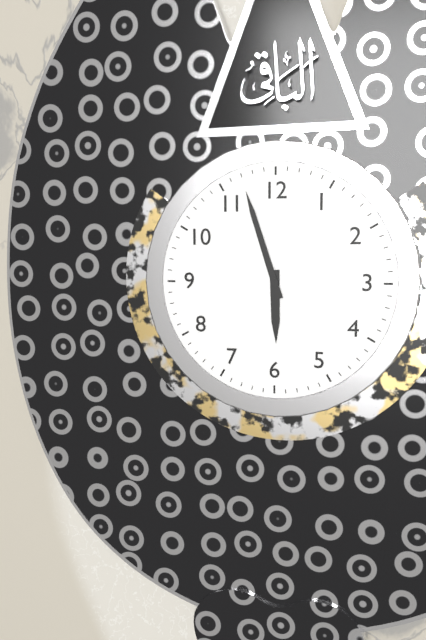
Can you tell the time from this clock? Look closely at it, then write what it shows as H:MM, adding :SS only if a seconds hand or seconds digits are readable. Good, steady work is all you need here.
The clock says 5:57
